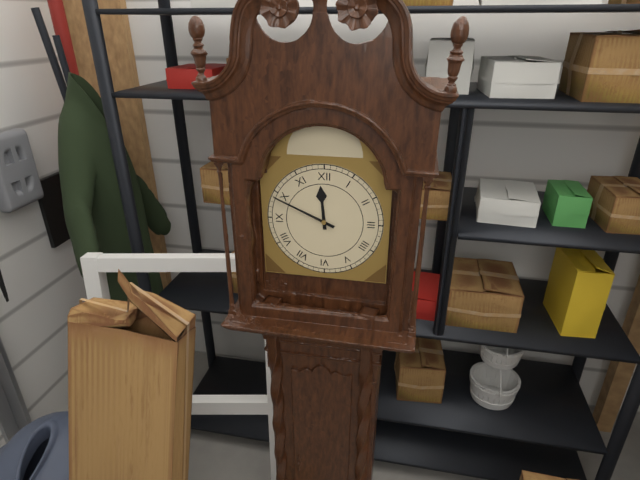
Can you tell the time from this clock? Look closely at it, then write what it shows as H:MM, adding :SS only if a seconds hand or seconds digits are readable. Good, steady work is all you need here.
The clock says 11:49
